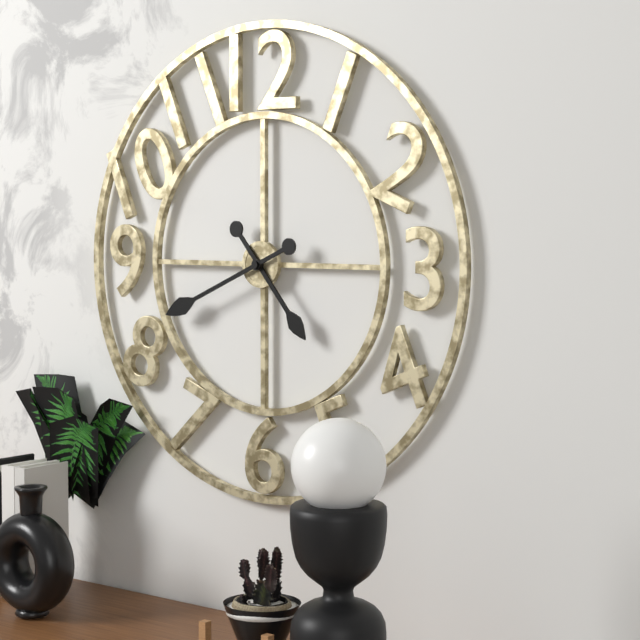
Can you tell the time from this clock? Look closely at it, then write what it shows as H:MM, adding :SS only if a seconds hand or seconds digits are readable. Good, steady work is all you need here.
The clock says 4:41
